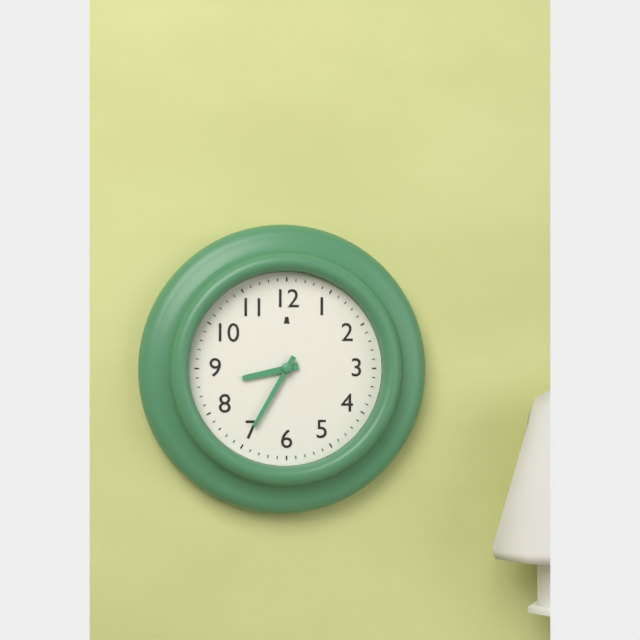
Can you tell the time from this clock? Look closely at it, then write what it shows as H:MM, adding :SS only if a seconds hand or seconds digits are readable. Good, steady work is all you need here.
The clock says 8:35
